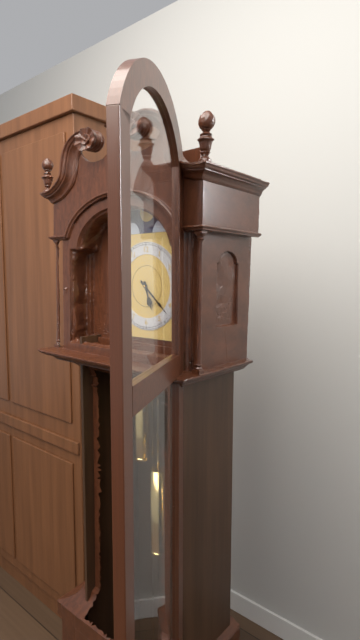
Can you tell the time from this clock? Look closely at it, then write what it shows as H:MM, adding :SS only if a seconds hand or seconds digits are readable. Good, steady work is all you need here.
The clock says 5:22
